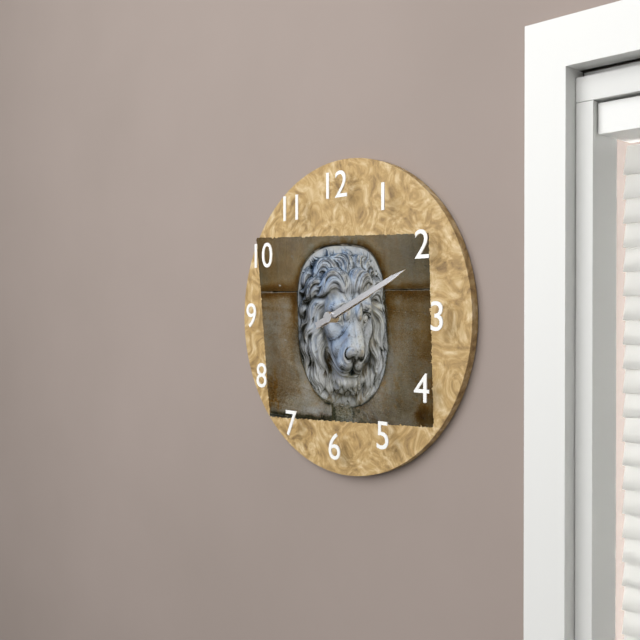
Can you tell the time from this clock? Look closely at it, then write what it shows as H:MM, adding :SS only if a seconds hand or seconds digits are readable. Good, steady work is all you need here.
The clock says 2:11
